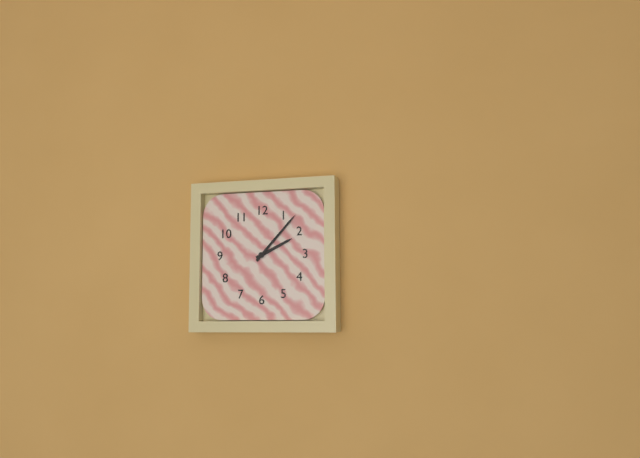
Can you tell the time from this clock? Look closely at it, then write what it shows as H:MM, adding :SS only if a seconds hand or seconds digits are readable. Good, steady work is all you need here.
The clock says 2:07
